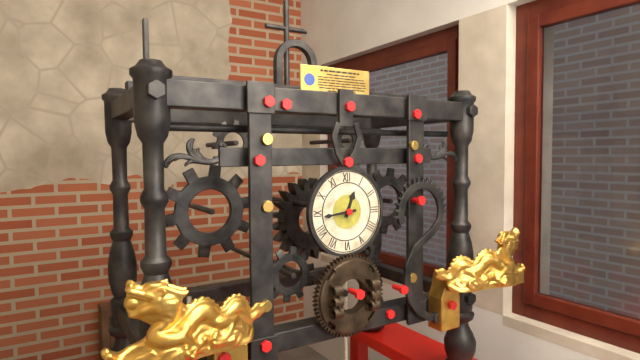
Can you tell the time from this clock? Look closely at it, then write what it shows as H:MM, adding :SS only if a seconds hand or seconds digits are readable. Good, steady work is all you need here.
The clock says 12:44
